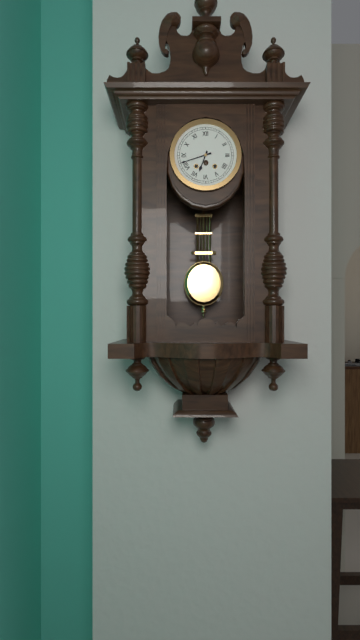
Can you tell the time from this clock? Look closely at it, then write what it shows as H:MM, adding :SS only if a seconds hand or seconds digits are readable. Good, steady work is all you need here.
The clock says 6:42
